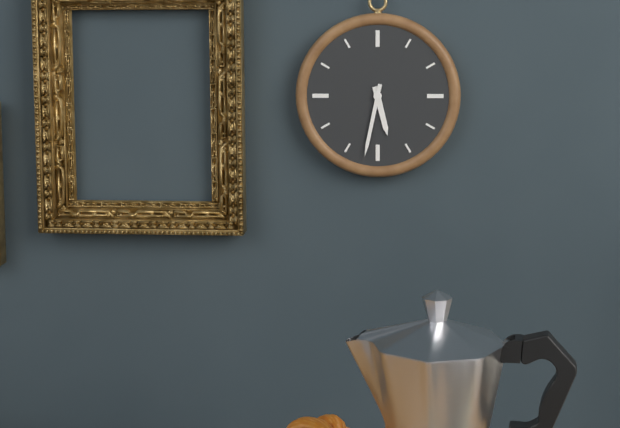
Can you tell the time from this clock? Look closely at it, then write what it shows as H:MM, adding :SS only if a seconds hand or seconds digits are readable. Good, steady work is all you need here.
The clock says 5:32
